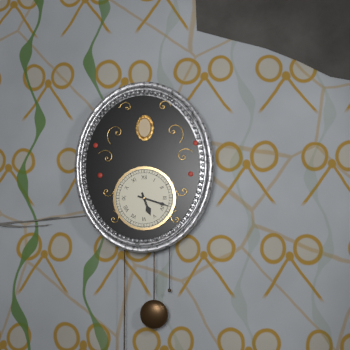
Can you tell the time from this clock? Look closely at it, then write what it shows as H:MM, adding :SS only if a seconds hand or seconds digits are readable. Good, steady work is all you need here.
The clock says 5:18
